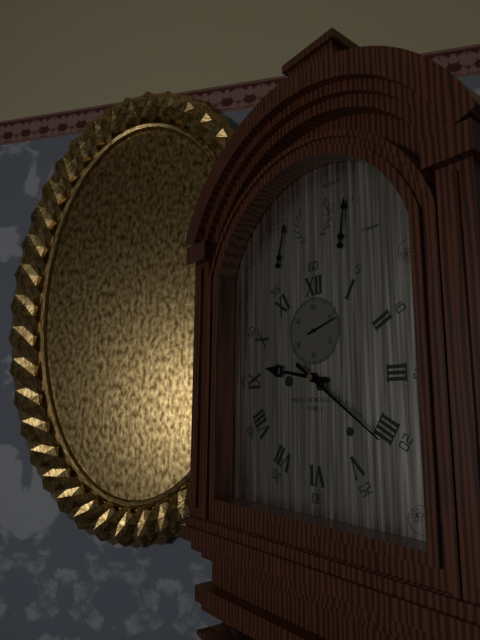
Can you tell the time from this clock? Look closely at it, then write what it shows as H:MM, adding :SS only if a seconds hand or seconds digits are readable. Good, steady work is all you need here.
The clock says 9:21
